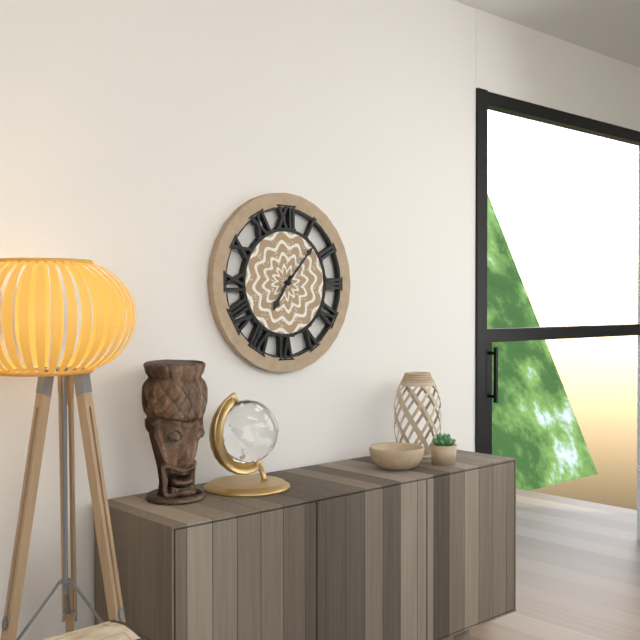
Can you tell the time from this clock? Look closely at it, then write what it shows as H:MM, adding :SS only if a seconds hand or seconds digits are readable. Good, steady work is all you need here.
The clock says 7:07
